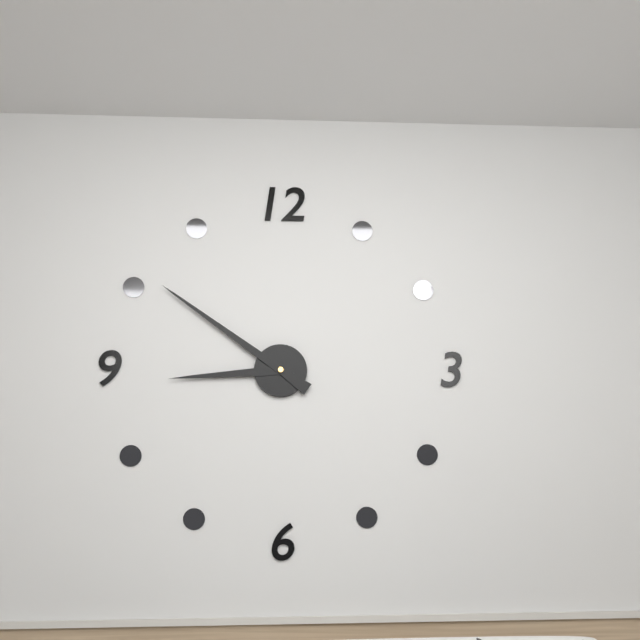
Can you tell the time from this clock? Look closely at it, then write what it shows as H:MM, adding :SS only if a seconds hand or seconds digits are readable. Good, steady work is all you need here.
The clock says 8:51
